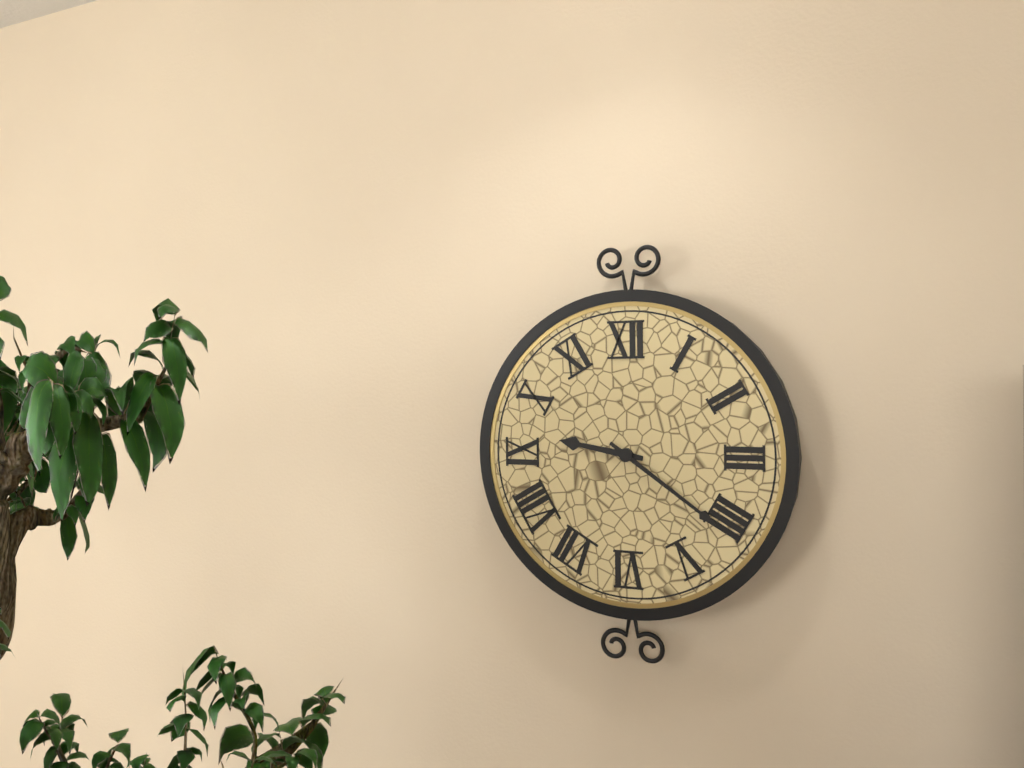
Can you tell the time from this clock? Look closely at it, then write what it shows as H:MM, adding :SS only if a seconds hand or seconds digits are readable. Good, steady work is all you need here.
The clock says 9:21
